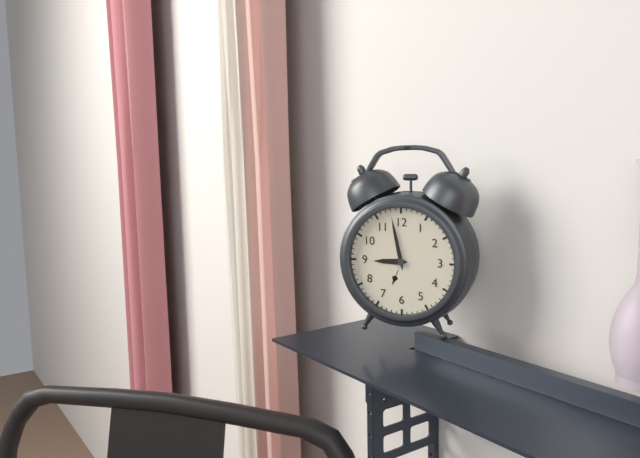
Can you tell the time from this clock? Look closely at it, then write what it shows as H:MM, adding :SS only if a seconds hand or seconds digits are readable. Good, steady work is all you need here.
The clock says 8:58
